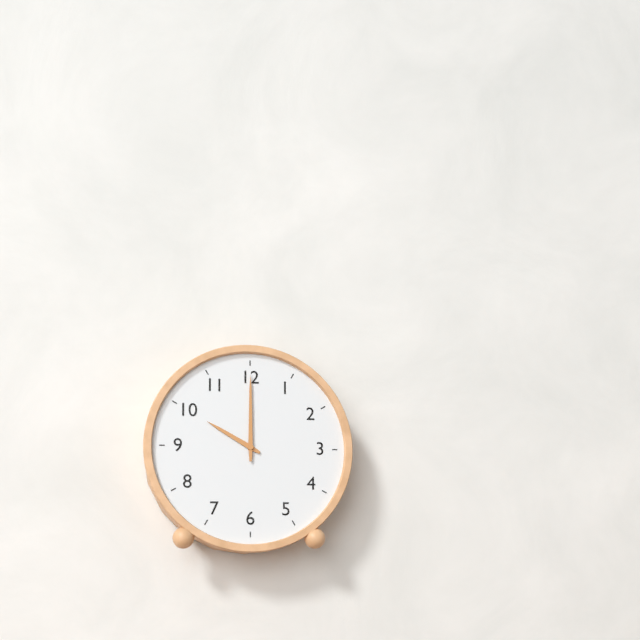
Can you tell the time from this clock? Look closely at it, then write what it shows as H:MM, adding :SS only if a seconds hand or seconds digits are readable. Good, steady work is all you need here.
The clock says 10:00
